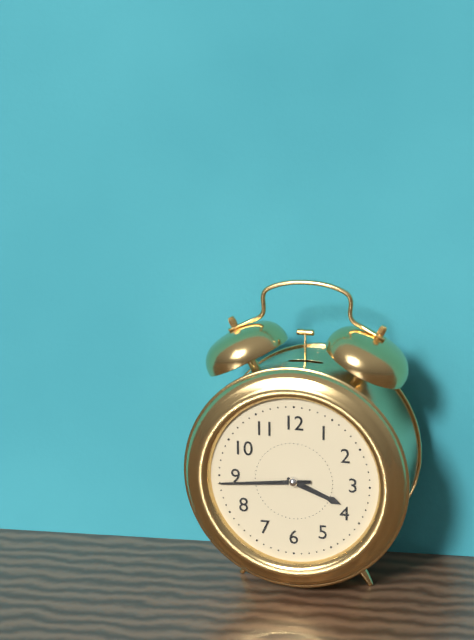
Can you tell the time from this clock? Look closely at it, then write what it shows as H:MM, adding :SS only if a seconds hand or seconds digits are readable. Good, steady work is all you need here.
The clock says 3:44
